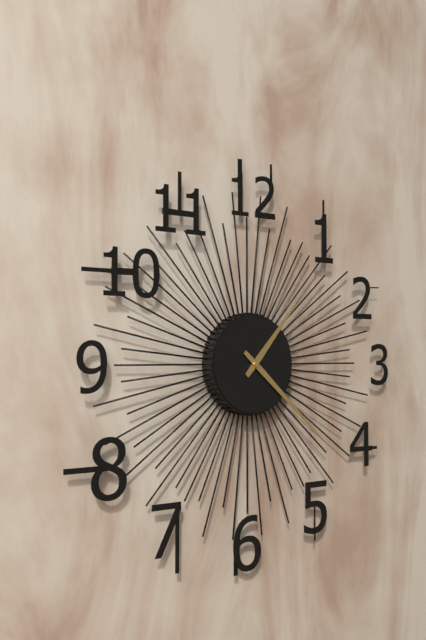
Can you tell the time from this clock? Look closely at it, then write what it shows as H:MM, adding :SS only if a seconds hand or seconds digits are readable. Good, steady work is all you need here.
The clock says 1:22
